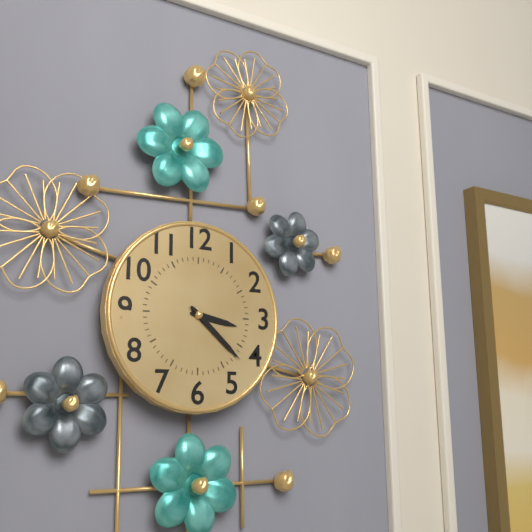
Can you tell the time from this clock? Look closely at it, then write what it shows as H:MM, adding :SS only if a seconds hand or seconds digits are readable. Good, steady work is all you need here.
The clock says 3:22
